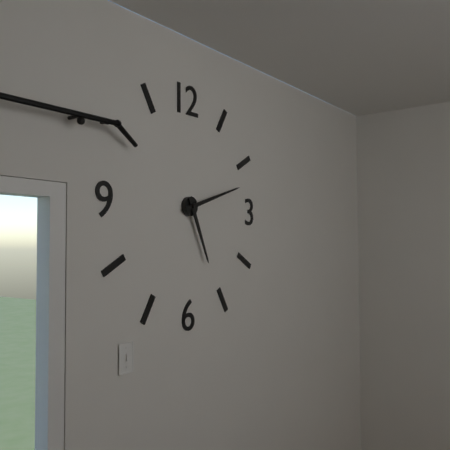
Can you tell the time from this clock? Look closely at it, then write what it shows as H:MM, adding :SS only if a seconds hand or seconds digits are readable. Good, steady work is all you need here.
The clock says 5:12
